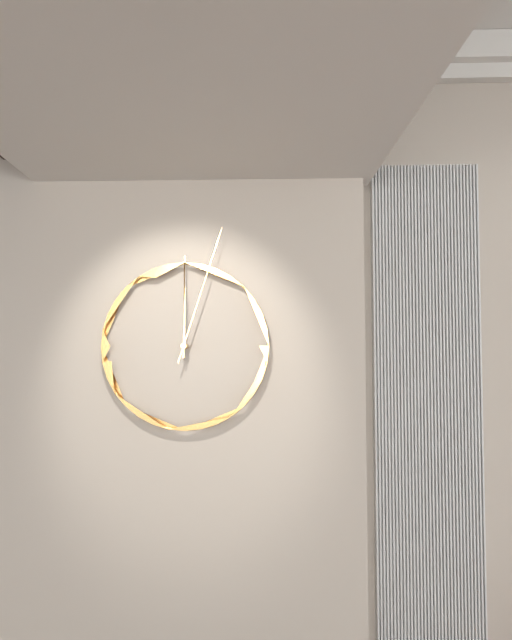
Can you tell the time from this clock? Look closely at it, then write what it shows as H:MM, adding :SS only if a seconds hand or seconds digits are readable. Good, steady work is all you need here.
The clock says 12:03
